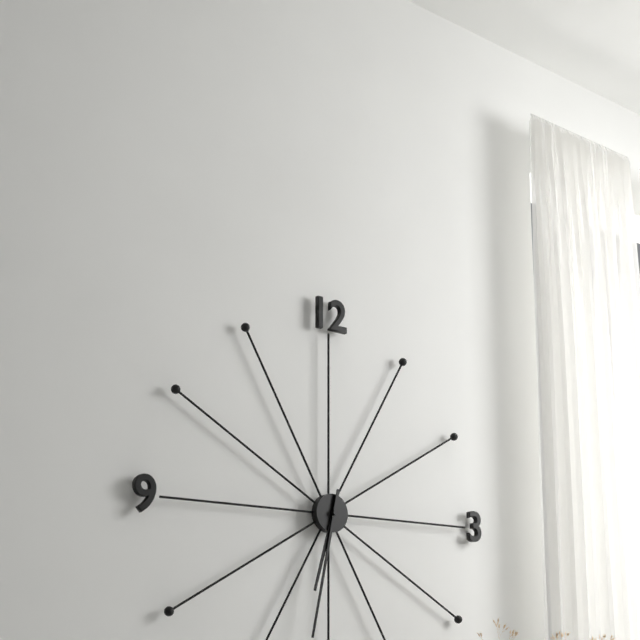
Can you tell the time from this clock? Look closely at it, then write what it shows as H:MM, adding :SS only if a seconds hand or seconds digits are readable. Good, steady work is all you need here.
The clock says 6:32
